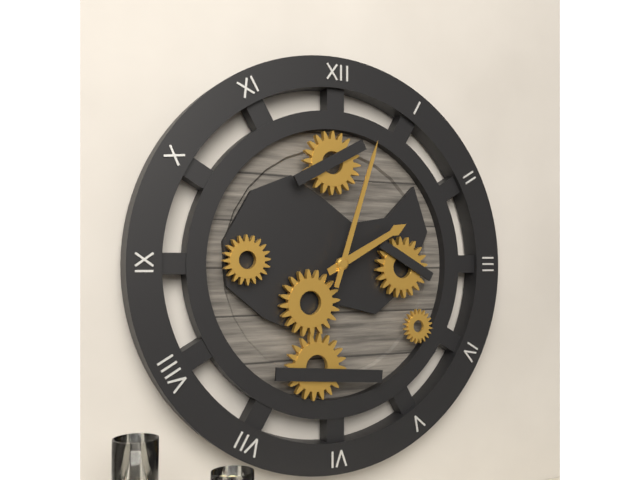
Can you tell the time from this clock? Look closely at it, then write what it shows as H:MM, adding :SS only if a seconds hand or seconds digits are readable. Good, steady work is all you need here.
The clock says 2:03
